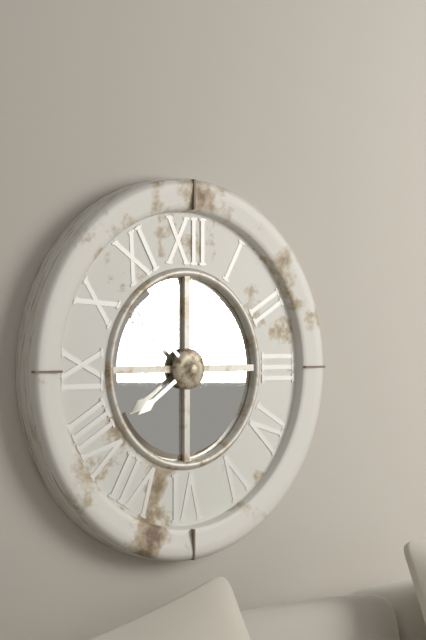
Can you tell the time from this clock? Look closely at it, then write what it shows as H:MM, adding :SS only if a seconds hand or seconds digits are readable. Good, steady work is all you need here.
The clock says 7:52
